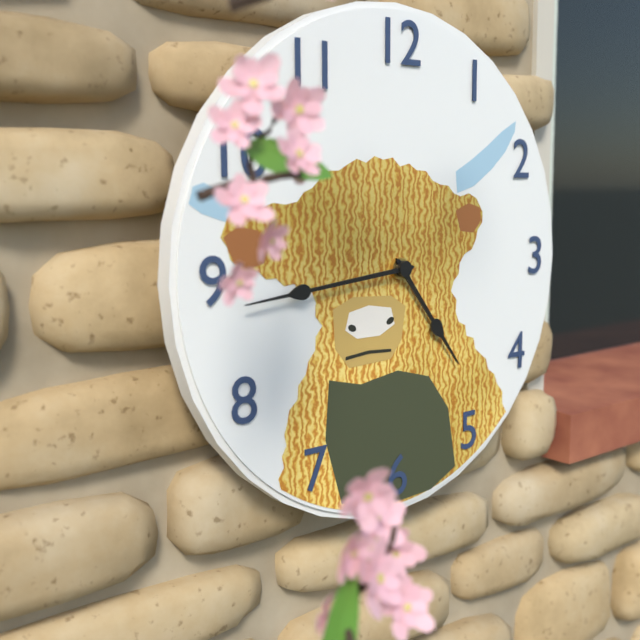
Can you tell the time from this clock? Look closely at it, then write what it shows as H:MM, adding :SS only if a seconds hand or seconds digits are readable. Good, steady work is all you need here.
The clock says 4:44
